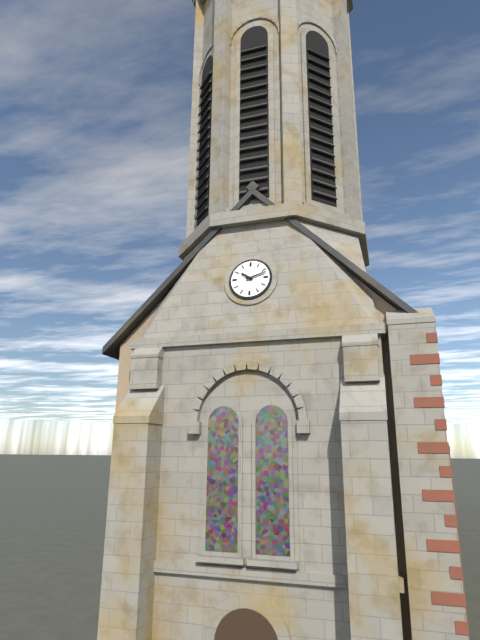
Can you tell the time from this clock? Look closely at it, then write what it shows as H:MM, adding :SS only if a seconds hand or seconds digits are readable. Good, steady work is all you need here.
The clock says 10:12
